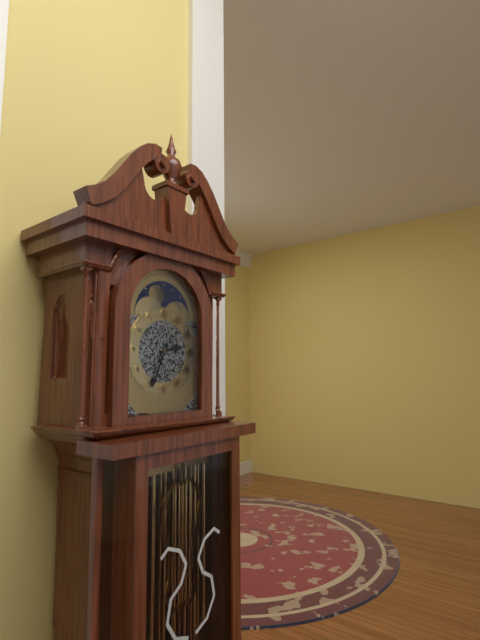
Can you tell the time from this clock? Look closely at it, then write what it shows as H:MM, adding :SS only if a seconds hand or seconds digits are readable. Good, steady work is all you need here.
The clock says 2:34
